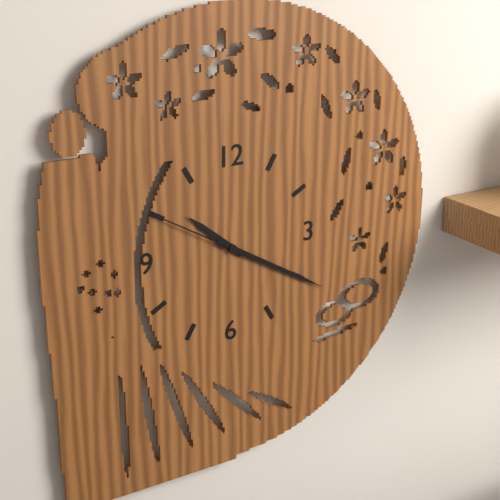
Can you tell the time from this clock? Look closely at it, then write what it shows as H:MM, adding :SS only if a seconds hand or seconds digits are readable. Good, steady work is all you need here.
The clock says 10:20:50
